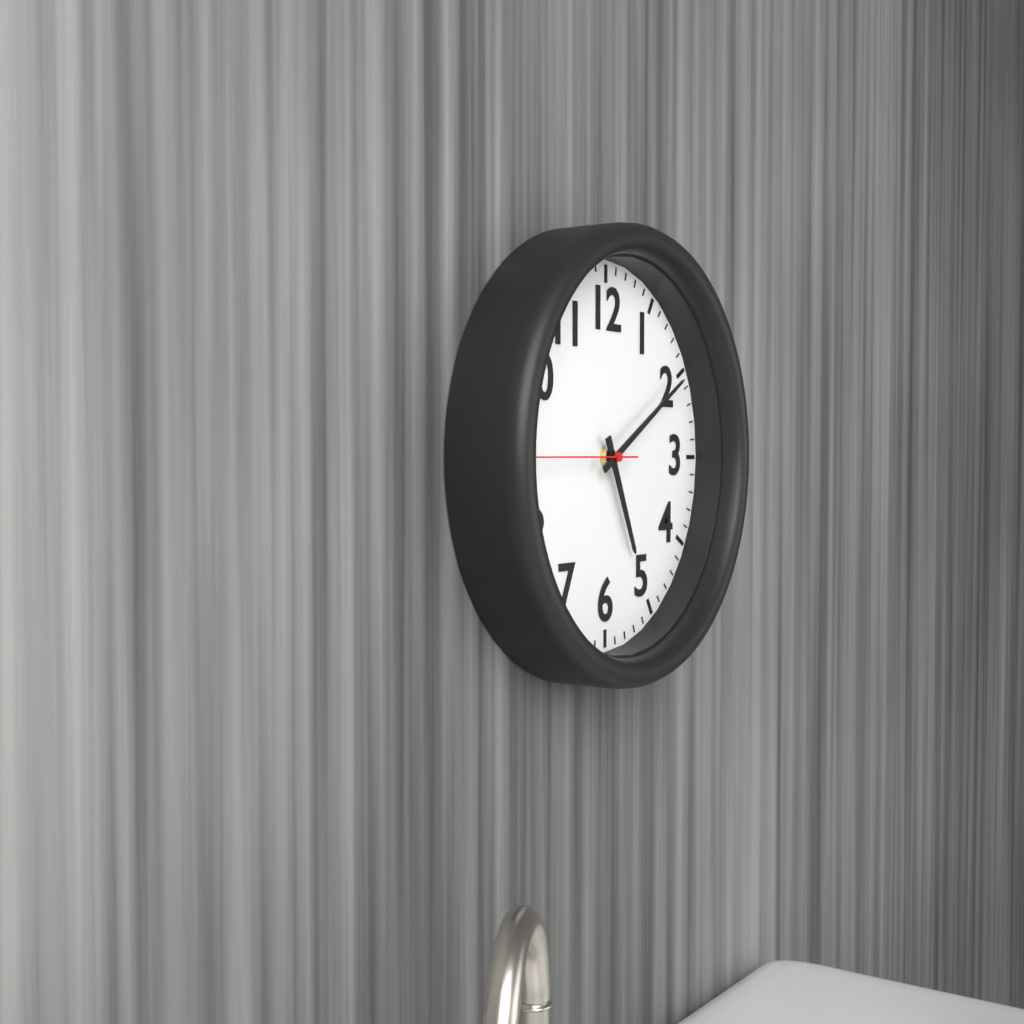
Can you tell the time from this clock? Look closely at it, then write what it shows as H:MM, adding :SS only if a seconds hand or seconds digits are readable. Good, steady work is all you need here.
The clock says 5:10:45
